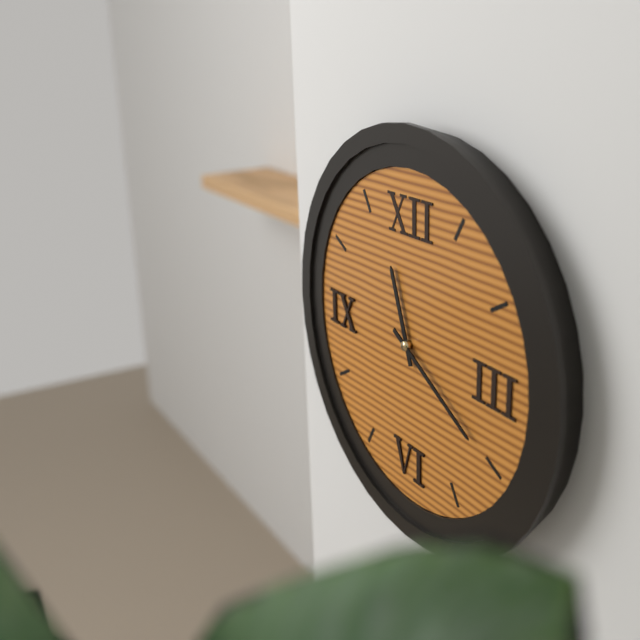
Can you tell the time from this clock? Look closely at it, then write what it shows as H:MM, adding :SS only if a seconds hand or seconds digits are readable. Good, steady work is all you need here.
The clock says 11:20
